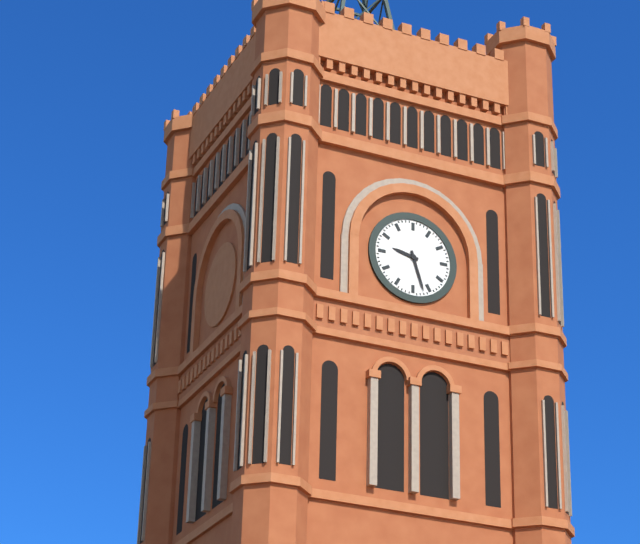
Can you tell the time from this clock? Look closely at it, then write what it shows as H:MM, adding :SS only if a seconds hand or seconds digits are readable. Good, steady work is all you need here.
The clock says 9:27
